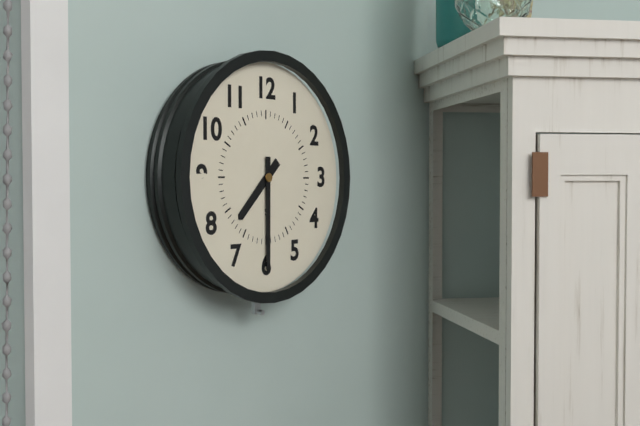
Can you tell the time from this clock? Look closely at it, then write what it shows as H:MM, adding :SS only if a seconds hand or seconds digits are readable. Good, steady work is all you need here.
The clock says 7:30
